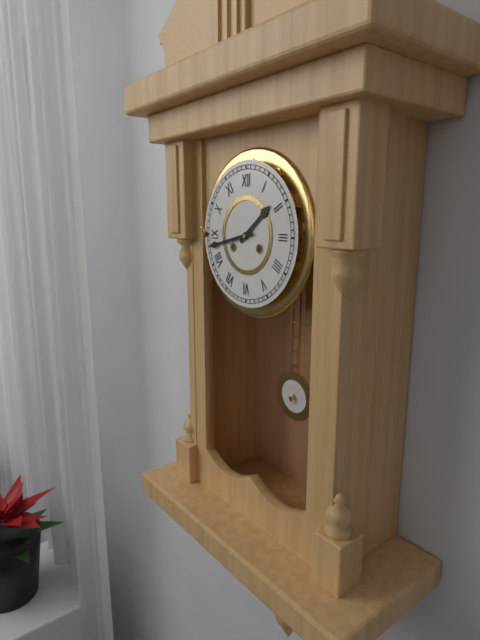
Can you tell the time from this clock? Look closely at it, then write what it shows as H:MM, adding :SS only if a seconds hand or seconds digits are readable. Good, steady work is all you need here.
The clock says 1:43
